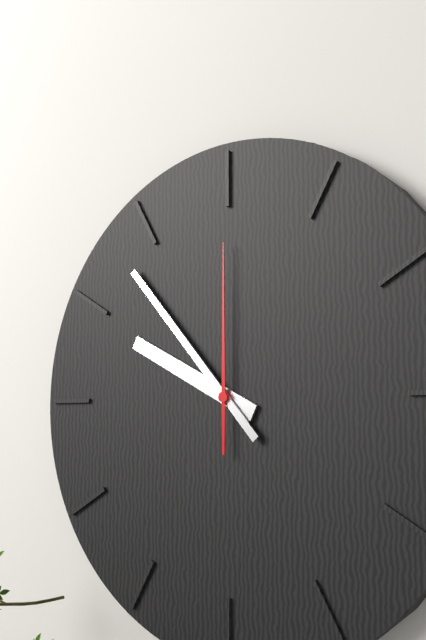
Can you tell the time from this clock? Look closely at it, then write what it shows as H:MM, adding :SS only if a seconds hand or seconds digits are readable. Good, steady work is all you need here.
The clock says 9:53:00
